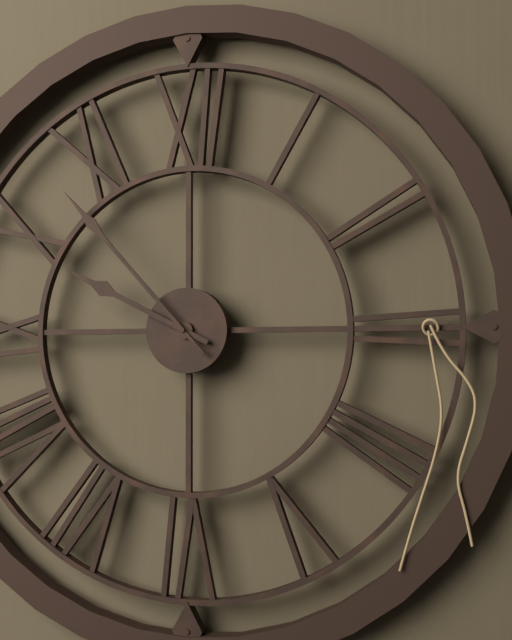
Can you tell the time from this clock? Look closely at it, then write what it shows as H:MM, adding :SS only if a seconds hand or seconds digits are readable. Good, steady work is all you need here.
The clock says 9:53
